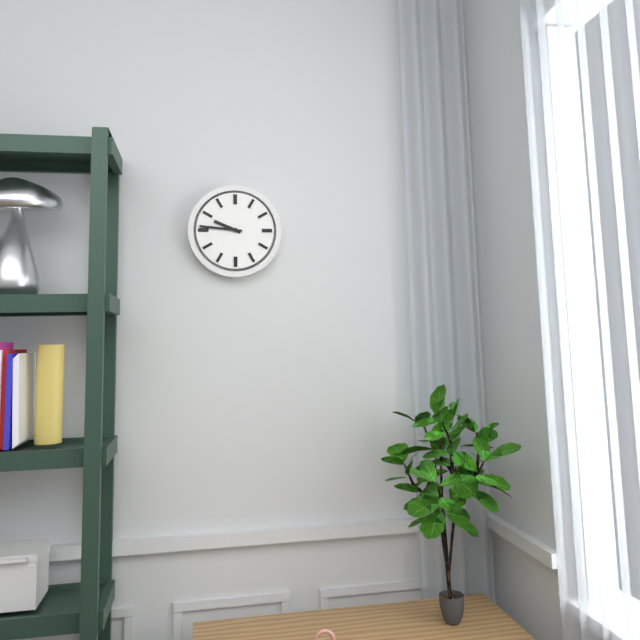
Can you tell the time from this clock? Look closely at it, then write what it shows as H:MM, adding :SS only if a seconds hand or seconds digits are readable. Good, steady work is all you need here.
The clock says 9:46
